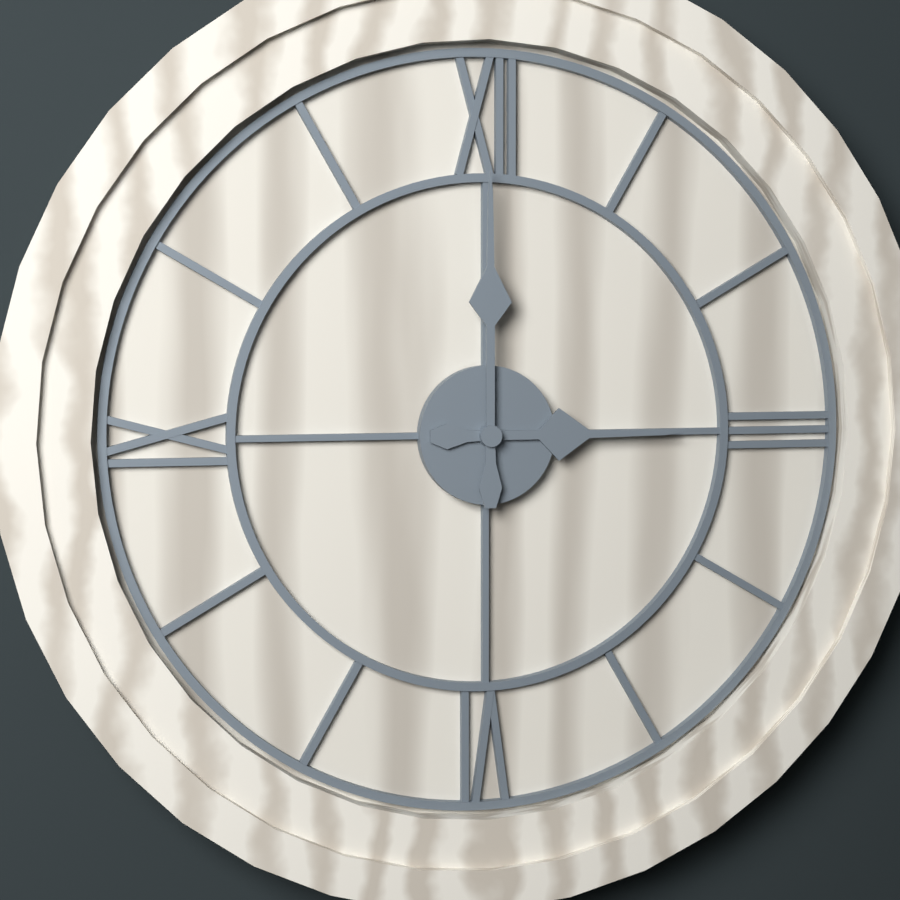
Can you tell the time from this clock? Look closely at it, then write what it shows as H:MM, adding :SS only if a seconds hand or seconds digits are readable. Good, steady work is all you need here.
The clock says 3:00
